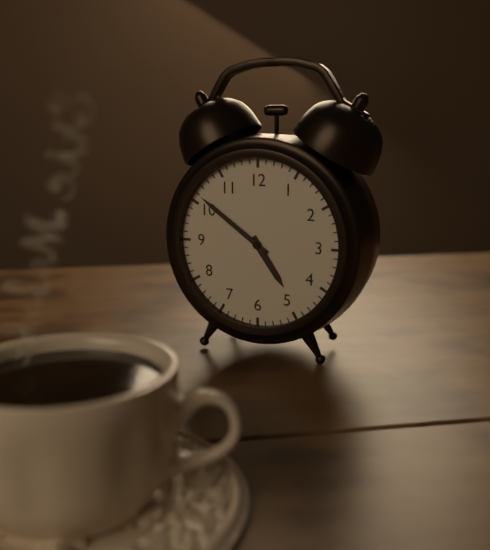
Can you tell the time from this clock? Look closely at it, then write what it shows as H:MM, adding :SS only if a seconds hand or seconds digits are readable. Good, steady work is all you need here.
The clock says 4:51
